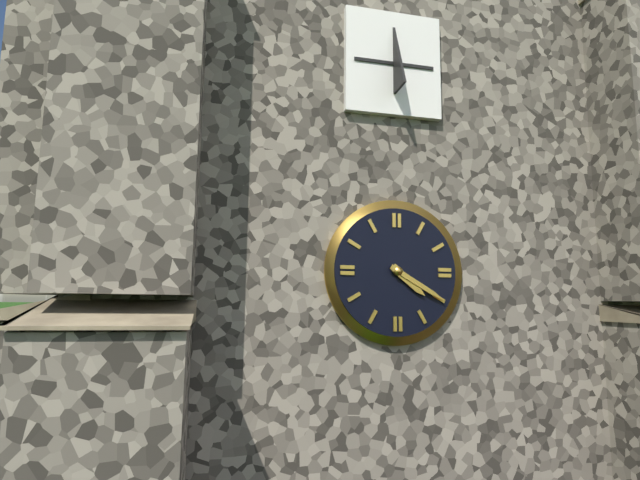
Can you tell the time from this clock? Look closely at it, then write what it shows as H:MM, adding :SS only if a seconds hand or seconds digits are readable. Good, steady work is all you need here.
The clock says 4:20
